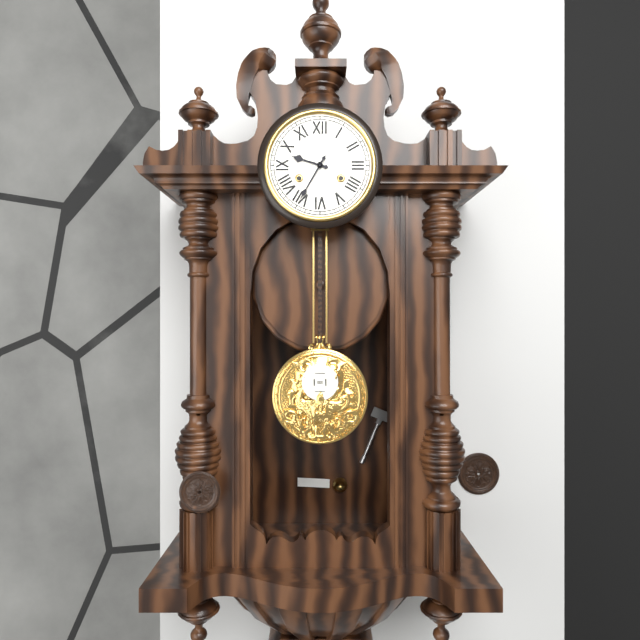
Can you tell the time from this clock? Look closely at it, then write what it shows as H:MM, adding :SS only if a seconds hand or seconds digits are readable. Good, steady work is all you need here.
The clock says 9:35
